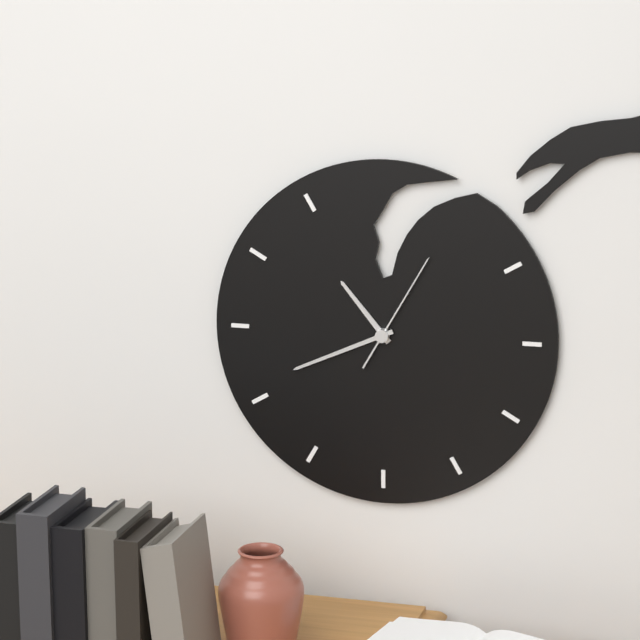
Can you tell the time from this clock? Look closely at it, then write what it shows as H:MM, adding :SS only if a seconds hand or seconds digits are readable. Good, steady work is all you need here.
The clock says 10:41:05
